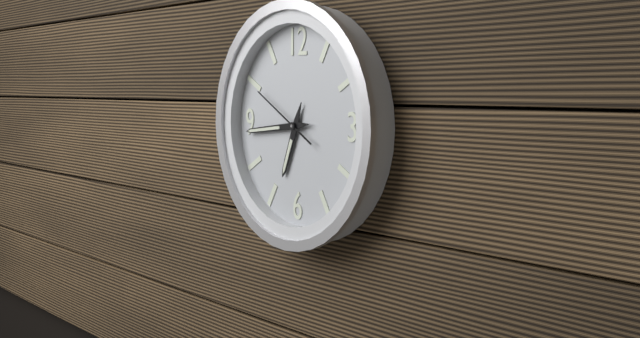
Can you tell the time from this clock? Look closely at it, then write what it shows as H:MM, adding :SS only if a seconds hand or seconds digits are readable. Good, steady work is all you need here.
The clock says 6:44:50
